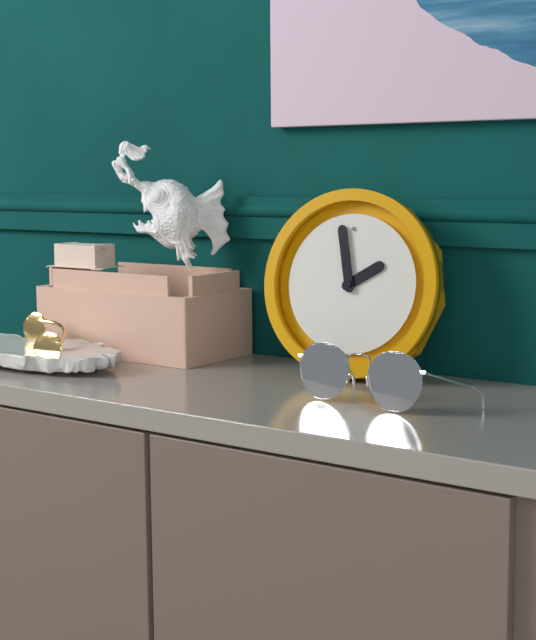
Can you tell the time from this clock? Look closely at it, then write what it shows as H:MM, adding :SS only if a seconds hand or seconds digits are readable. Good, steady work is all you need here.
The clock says 1:58
